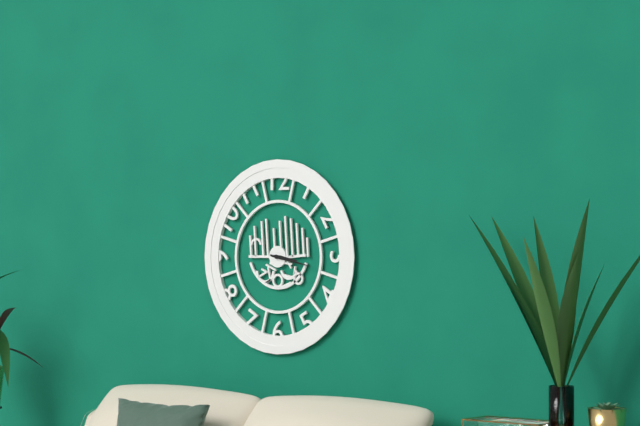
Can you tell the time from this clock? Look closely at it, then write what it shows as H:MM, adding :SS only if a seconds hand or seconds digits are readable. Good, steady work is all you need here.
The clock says 3:17
